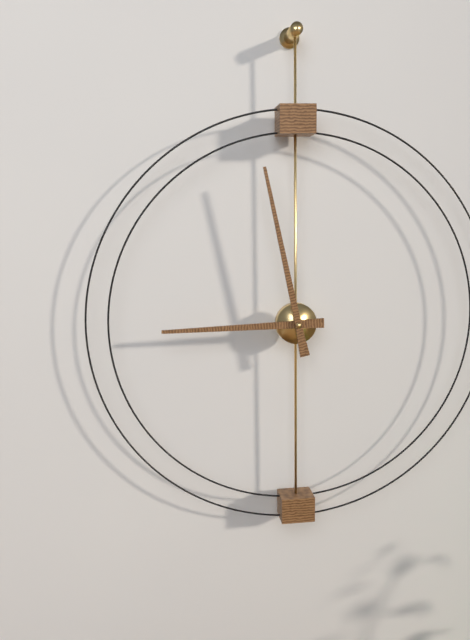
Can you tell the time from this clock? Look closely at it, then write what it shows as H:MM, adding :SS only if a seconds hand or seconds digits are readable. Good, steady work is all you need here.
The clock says 8:58
